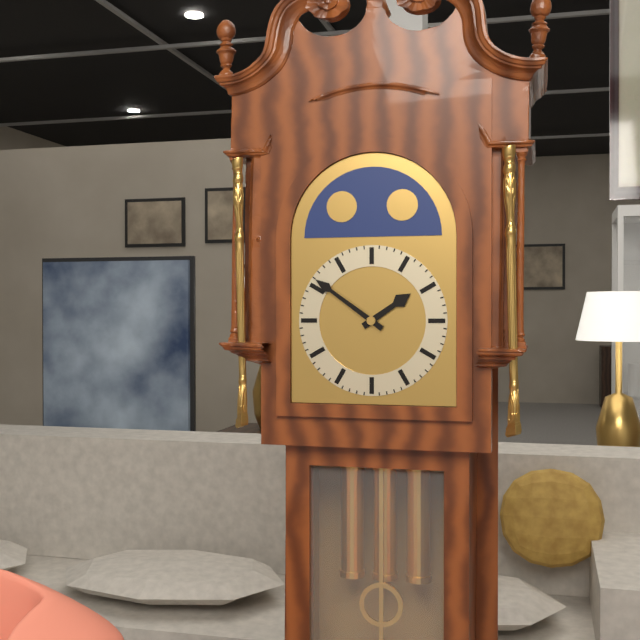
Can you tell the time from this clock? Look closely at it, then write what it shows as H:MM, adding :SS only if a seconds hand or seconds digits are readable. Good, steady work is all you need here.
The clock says 1:51
